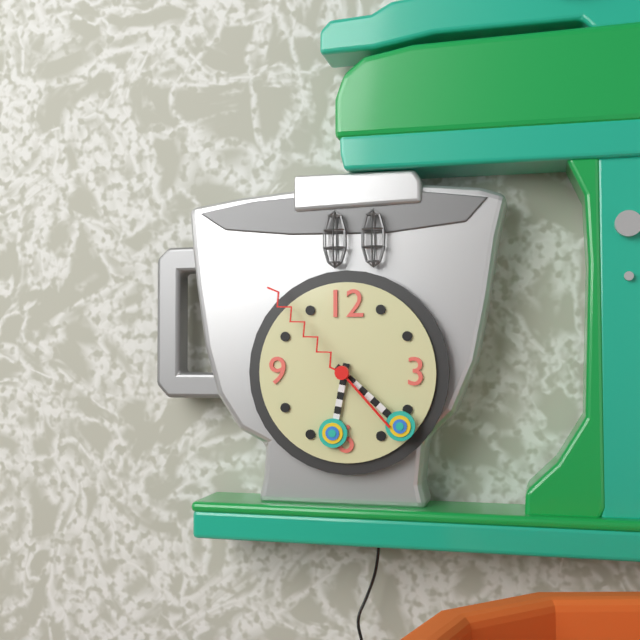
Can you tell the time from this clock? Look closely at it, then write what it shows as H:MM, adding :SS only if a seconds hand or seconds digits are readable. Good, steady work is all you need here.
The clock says 6:22:53
